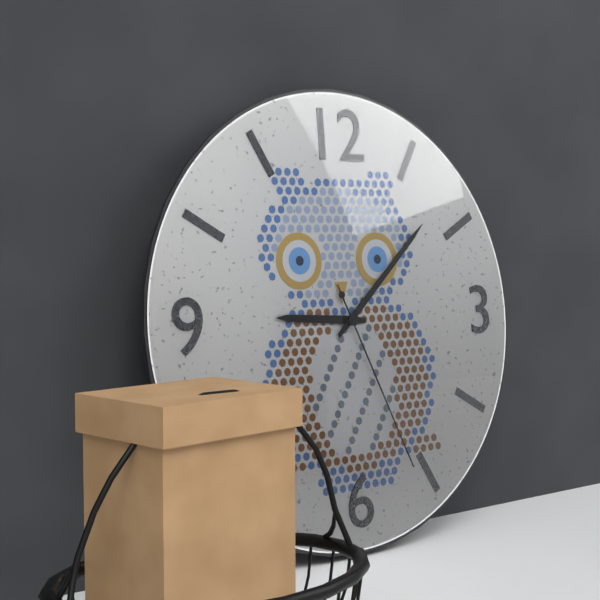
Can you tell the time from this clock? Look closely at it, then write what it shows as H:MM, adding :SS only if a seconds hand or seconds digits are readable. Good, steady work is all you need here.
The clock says 9:08:26
